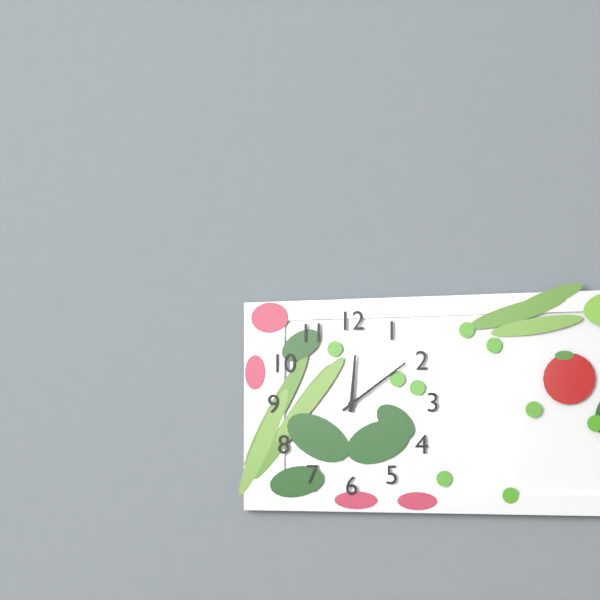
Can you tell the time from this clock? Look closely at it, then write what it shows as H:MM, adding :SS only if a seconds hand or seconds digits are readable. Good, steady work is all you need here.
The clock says 12:09
